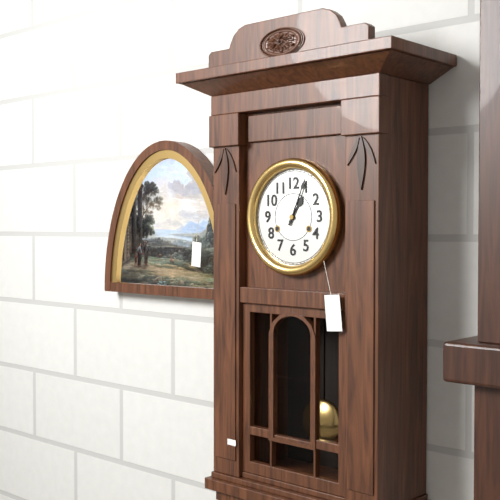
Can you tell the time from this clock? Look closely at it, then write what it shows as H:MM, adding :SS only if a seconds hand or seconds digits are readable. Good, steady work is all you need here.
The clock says 1:04
